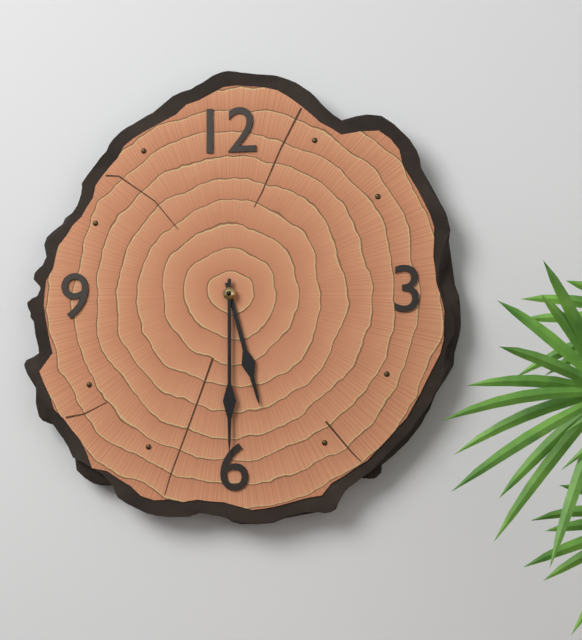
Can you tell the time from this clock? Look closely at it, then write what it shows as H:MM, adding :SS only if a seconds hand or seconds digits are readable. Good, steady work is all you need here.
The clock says 5:30
